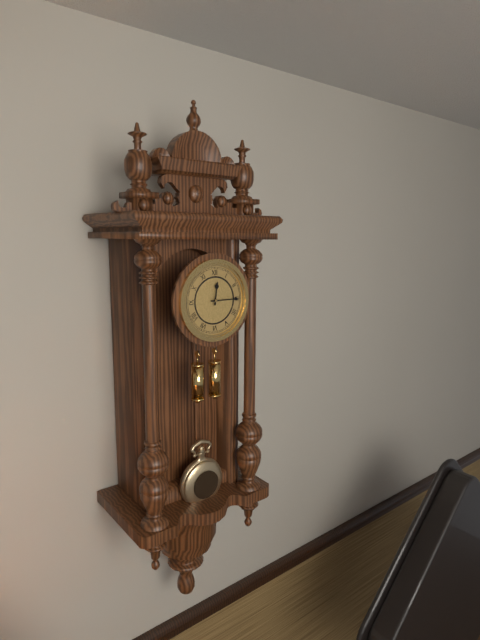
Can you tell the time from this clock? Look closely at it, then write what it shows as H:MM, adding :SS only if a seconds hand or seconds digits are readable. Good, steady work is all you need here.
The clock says 12:15
